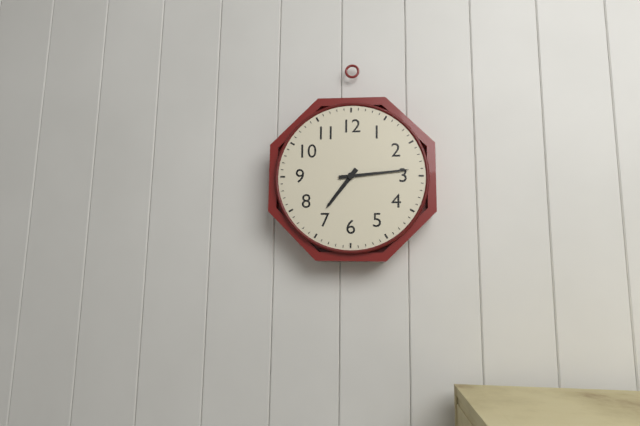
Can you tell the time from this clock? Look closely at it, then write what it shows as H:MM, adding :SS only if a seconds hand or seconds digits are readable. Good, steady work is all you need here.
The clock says 7:14
